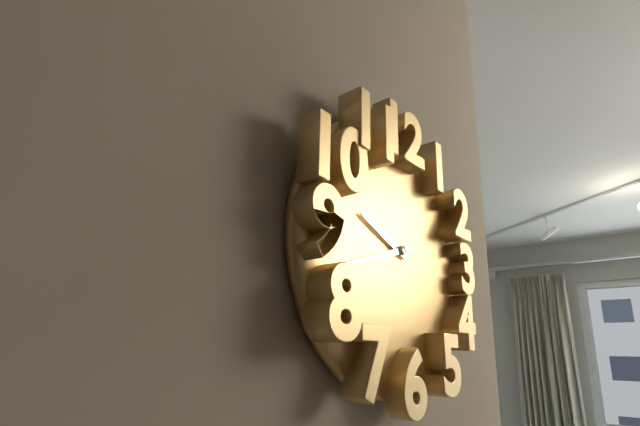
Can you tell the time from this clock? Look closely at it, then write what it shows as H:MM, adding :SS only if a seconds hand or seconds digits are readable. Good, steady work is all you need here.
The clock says 9:42
